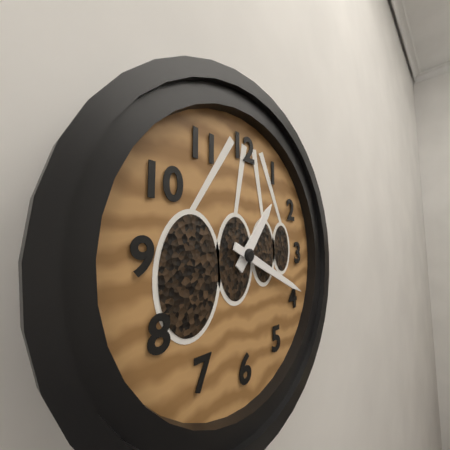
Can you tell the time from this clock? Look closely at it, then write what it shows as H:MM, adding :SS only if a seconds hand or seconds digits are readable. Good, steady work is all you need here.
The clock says 1:19
